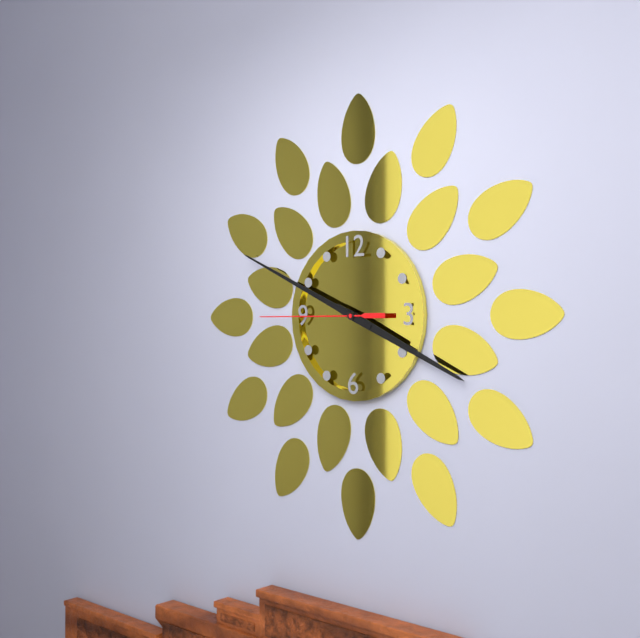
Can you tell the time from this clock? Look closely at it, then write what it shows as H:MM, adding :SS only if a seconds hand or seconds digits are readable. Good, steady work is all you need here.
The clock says 3:49:45
